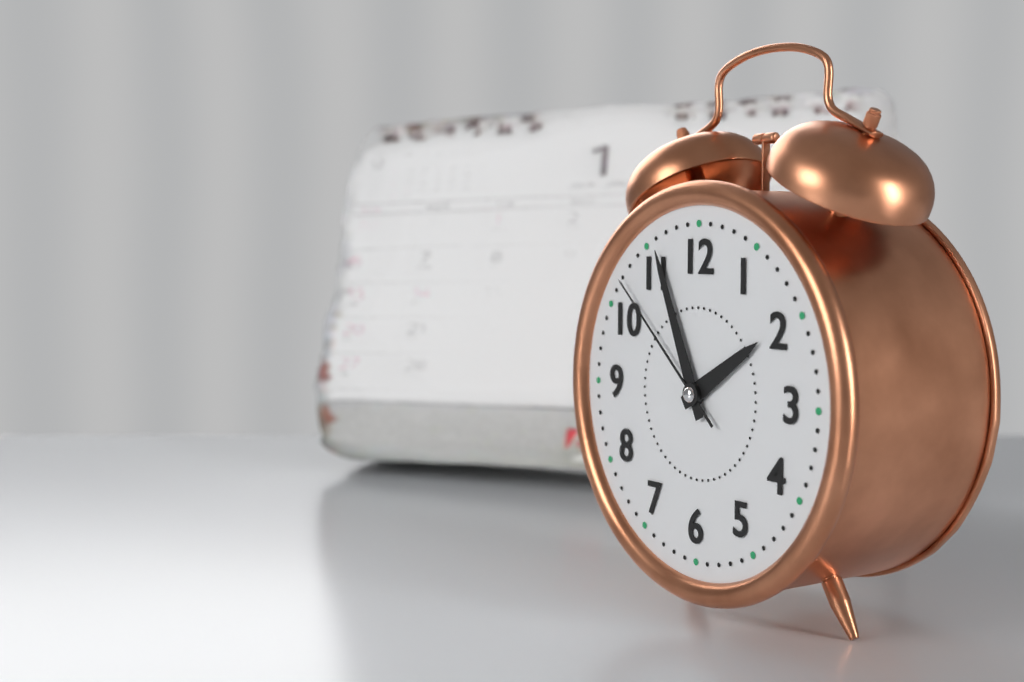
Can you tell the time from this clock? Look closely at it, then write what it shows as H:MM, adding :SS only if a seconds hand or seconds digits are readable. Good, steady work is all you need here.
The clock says 1:56:52
